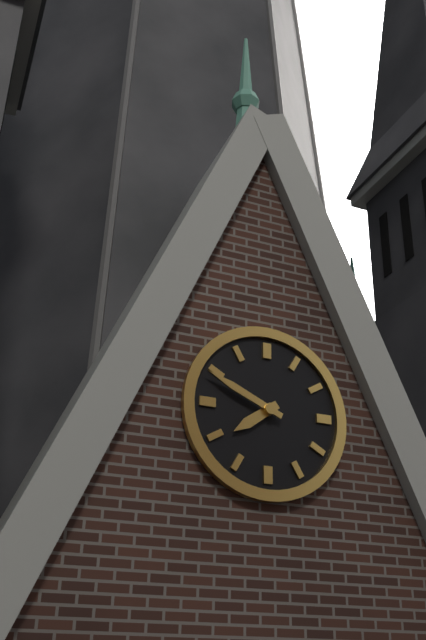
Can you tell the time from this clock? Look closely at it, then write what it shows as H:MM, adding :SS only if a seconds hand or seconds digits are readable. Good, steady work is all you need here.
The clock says 7:49
